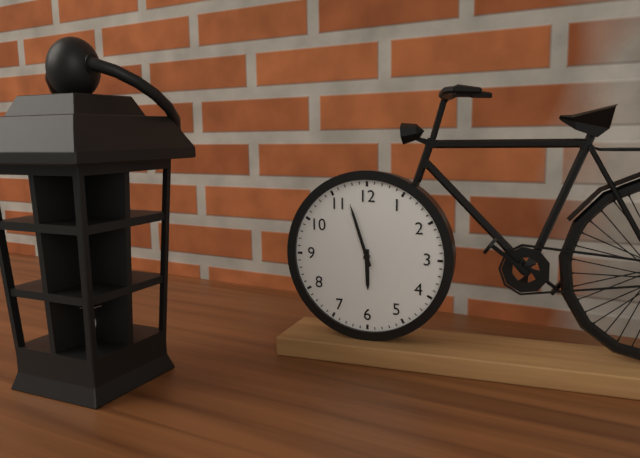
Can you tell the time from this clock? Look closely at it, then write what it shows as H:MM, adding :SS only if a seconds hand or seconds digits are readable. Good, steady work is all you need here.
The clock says 5:57
